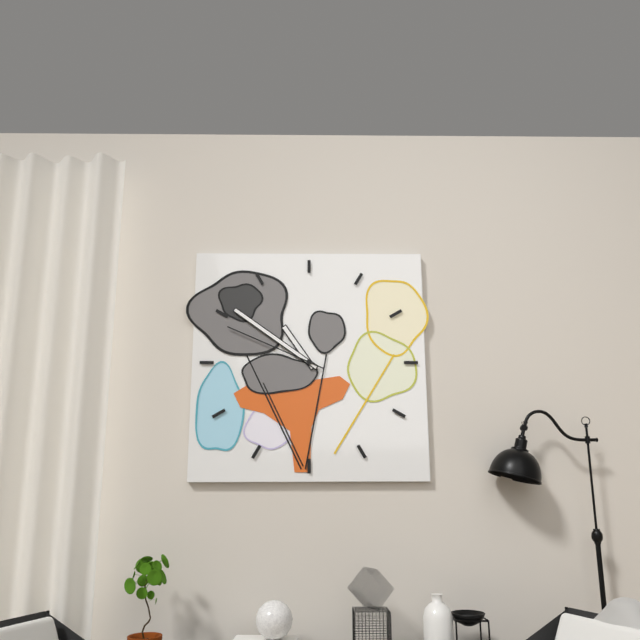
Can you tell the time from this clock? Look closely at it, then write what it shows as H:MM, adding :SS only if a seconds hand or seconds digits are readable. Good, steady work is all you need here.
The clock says 10:51:49
